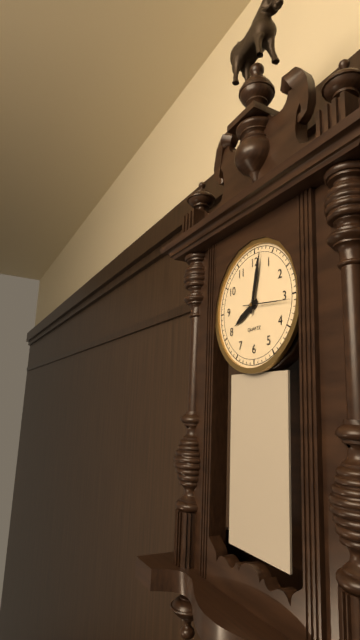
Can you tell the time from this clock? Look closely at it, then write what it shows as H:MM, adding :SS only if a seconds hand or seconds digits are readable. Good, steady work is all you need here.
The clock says 8:02:16
